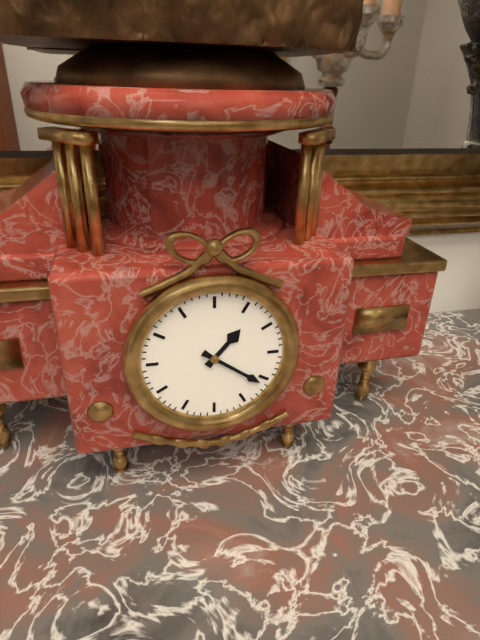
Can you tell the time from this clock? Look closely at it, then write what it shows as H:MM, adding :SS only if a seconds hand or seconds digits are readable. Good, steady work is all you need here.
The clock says 1:21
